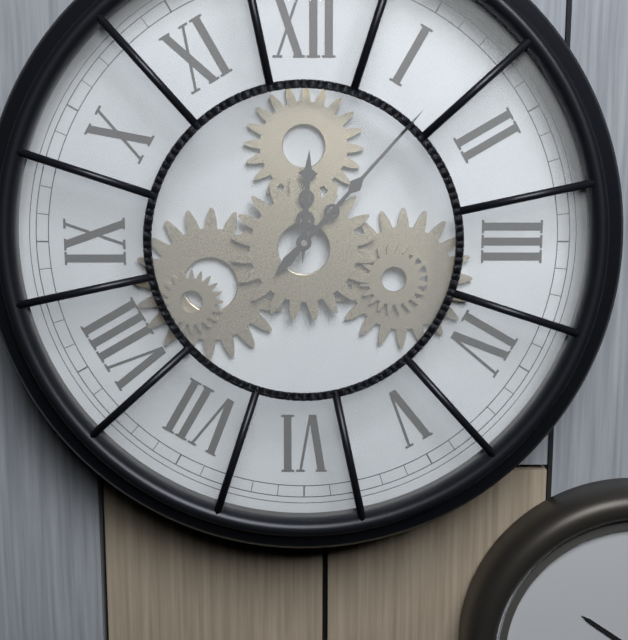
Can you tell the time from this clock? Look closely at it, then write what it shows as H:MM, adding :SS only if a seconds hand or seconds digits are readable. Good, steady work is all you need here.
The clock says 12:07
